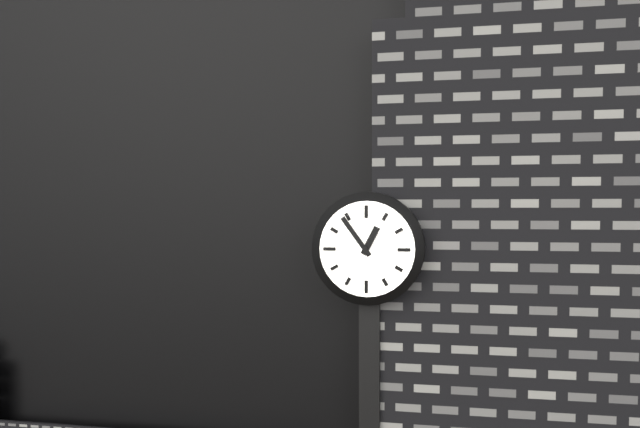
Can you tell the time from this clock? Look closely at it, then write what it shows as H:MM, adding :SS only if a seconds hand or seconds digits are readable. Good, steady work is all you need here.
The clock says 12:54
